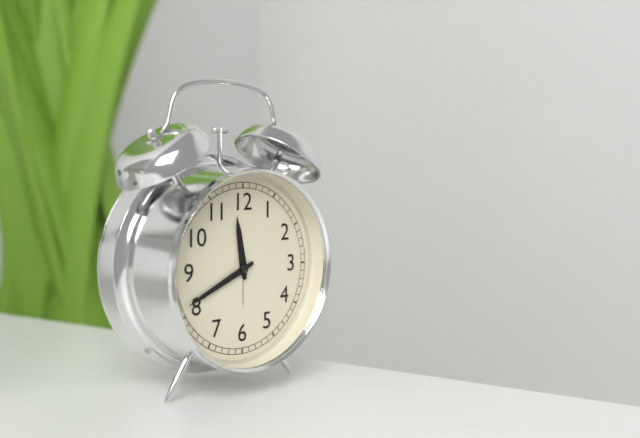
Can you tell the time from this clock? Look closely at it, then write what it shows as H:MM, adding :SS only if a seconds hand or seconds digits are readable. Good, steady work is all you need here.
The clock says 11:41
